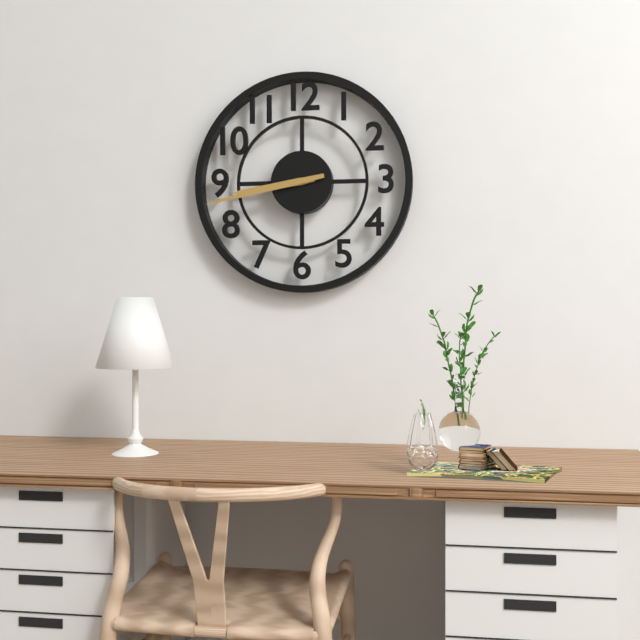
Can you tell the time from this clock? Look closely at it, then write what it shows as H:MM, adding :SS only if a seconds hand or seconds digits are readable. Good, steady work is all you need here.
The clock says 8:43
